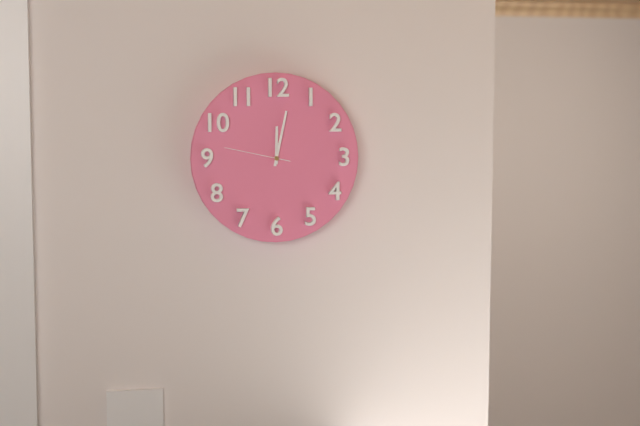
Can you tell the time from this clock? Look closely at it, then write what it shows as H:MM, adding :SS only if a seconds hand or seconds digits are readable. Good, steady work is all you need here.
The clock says 12:02:47
